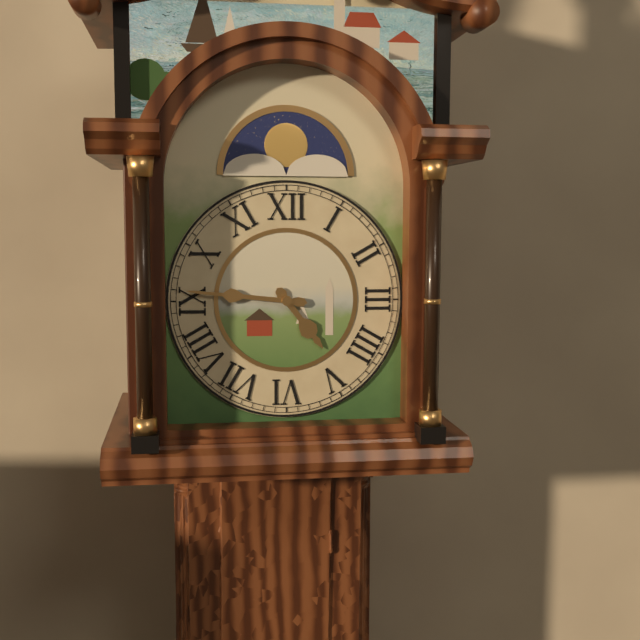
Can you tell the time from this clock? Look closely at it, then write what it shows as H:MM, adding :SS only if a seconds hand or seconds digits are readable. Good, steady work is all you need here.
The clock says 4:46
